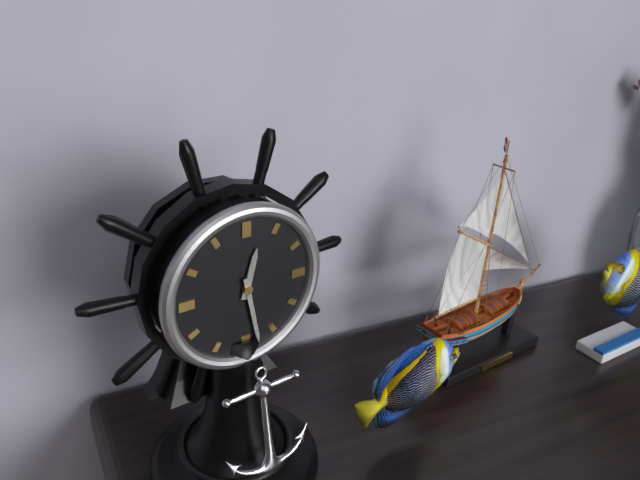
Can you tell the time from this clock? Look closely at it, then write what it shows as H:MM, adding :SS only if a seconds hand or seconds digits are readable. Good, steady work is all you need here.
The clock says 12:28
